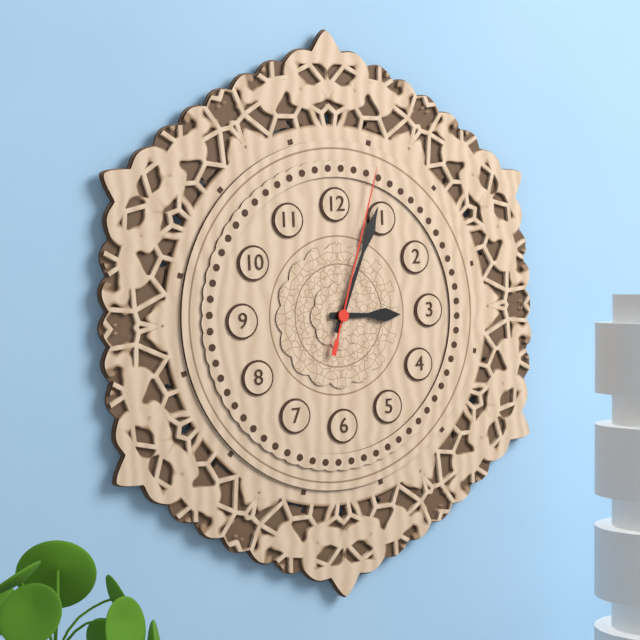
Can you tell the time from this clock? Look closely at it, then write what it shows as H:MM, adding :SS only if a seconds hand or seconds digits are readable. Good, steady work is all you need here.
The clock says 3:04:03
